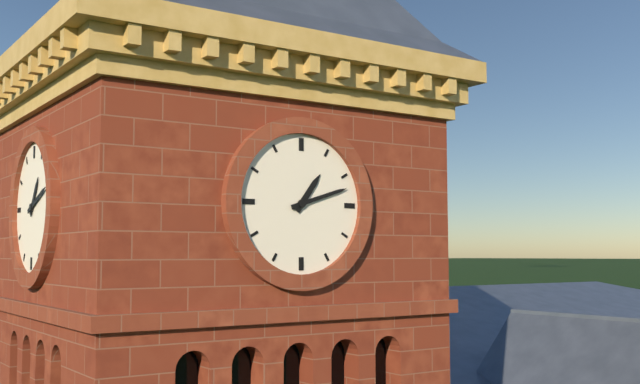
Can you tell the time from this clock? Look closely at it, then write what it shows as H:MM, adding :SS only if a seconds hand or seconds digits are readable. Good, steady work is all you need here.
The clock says 1:12
